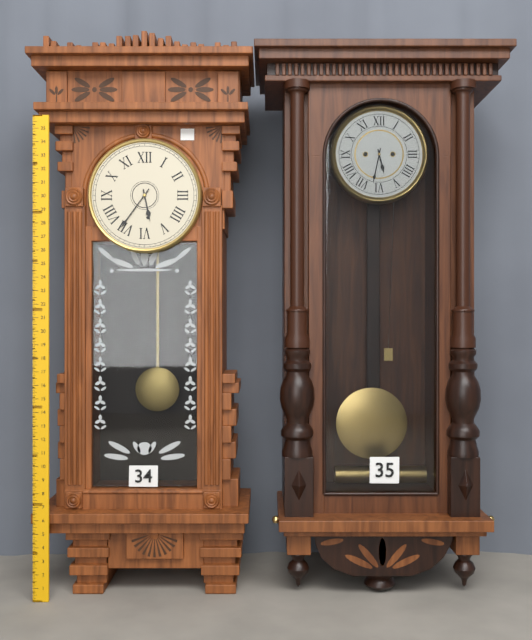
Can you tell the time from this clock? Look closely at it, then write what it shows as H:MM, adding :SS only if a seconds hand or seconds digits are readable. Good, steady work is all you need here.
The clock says 5:36
